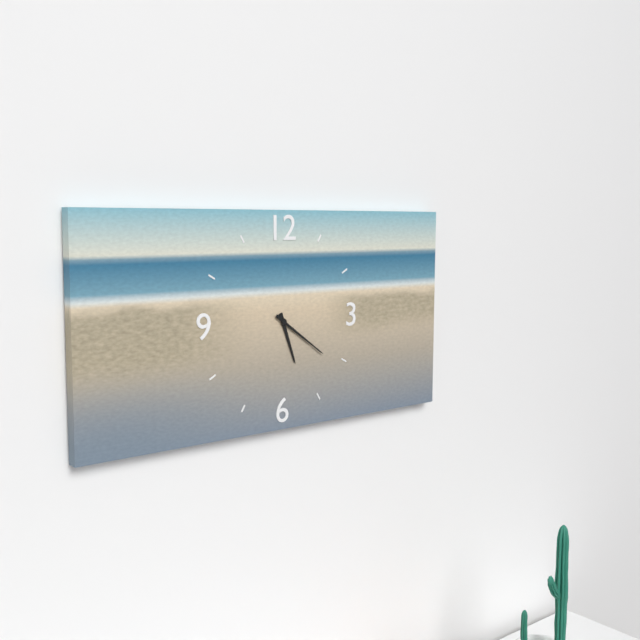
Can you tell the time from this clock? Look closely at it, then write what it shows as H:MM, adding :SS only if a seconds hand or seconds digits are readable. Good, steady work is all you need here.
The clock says 5:21
